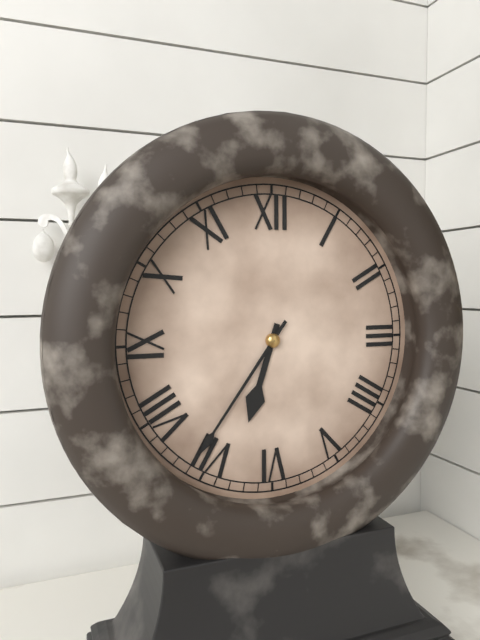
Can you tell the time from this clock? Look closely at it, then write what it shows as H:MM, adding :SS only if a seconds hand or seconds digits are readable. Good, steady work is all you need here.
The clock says 6:36
